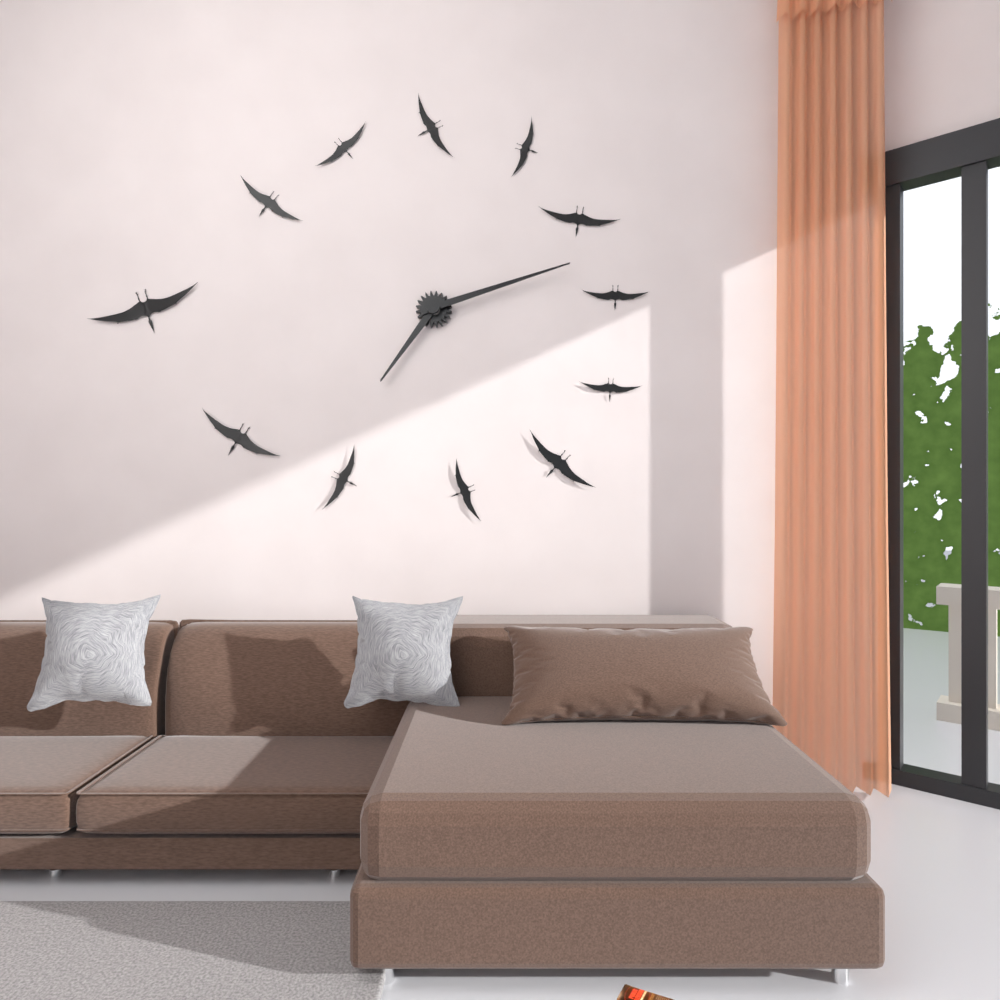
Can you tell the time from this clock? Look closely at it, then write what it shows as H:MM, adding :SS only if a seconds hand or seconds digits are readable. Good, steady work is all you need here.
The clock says 7:12
